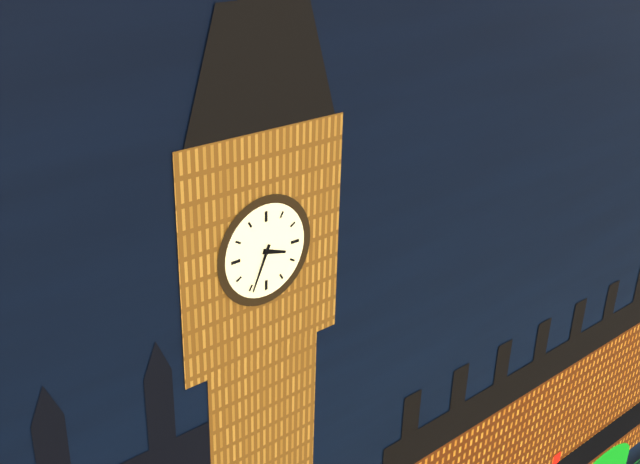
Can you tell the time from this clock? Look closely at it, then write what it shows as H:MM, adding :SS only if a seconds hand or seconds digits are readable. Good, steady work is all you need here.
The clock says 3:34
